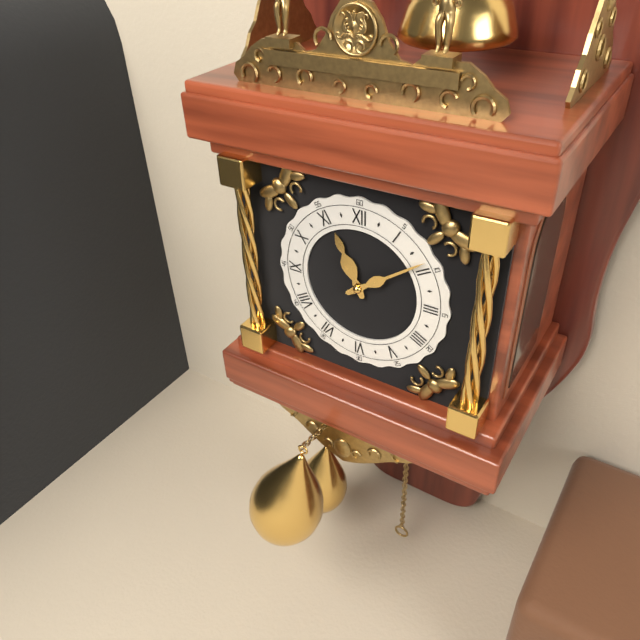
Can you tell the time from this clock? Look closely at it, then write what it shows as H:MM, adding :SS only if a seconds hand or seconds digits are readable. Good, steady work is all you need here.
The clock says 11:09
